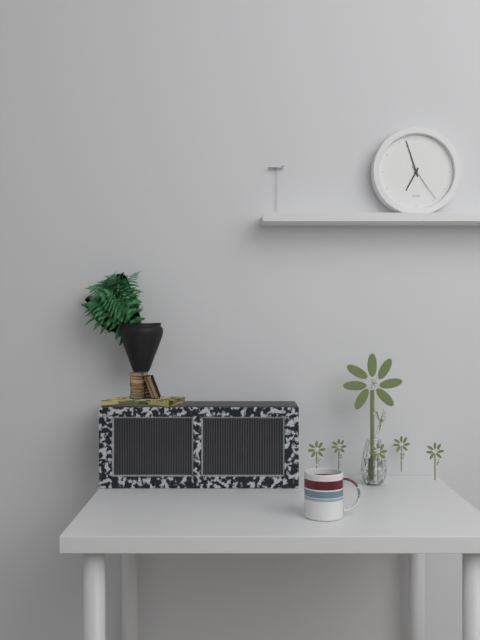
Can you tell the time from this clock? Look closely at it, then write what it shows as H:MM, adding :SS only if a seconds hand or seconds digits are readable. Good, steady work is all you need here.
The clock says 6:57
